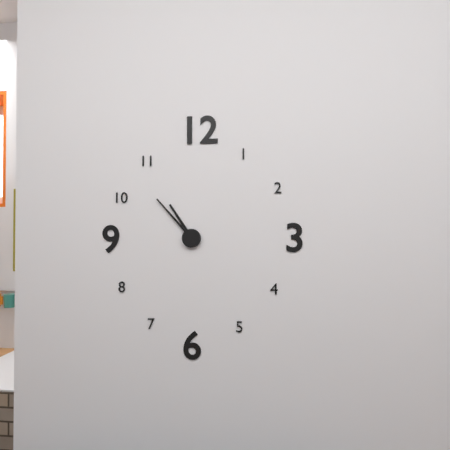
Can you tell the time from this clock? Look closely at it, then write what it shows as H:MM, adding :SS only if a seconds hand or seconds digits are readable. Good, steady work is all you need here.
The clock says 10:53
